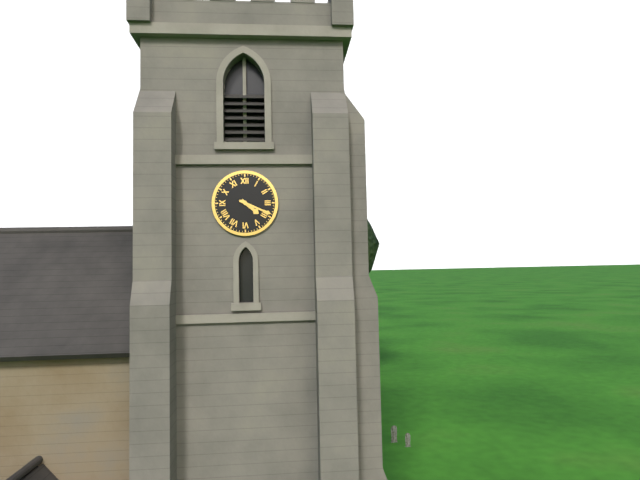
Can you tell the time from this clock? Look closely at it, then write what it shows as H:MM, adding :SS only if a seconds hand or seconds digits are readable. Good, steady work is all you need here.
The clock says 4:19
